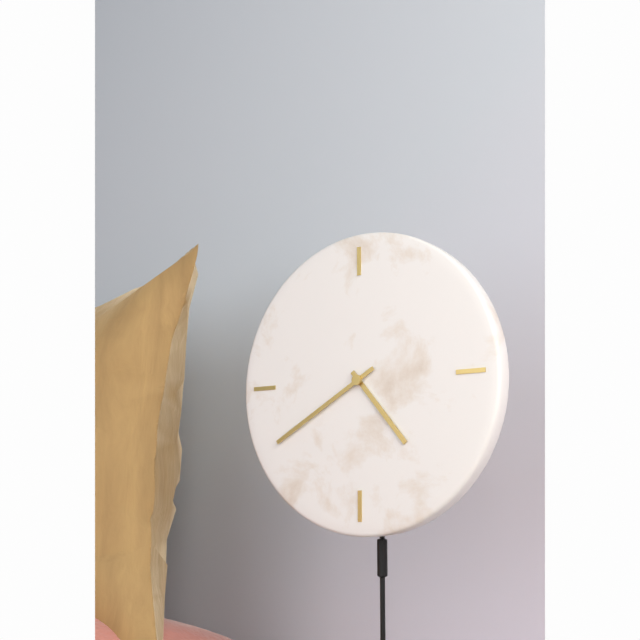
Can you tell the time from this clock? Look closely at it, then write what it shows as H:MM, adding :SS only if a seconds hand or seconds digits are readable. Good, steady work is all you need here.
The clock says 4:40
